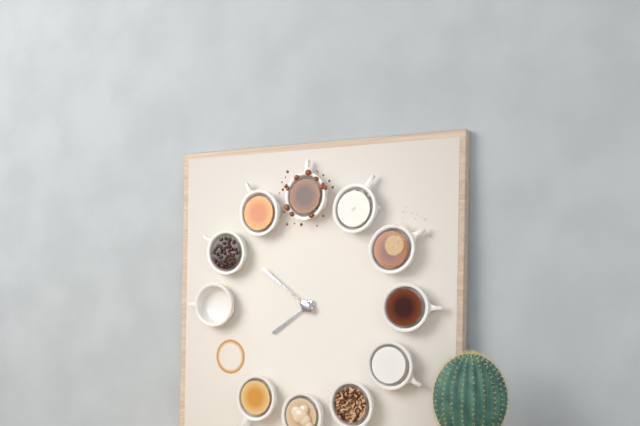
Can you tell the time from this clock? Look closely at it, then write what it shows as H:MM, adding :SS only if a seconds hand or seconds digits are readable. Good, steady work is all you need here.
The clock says 7:51
